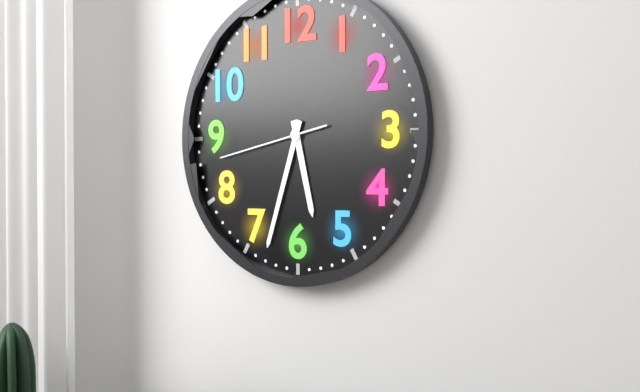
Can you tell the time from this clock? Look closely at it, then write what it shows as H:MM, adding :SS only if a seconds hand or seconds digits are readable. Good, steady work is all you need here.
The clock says 5:33:43
